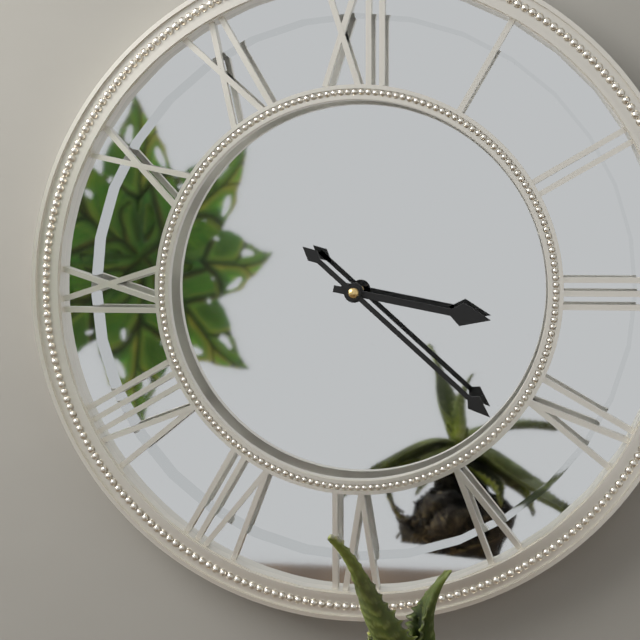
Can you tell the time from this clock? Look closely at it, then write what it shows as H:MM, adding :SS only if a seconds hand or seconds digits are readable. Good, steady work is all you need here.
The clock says 3:22
